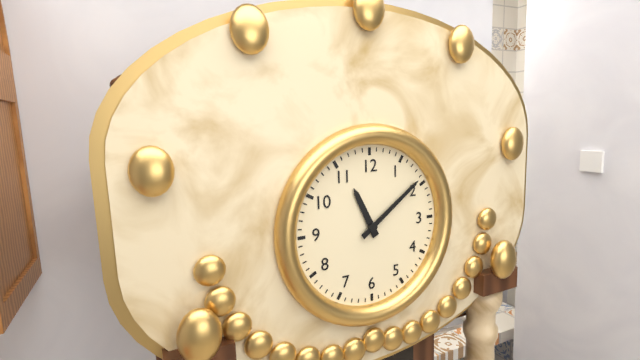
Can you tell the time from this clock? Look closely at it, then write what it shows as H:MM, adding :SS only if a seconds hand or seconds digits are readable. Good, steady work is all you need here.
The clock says 11:09
